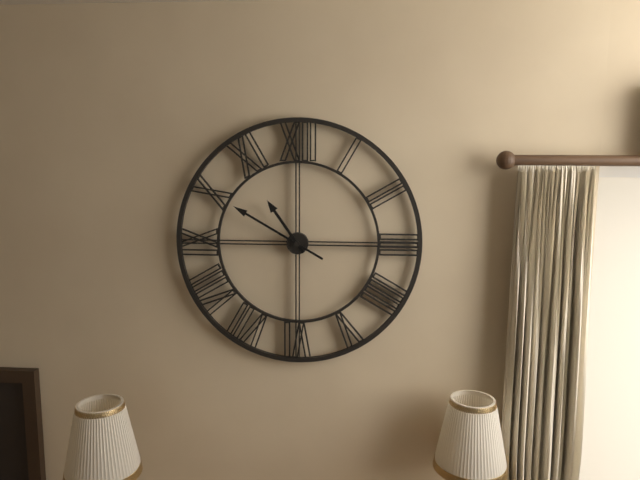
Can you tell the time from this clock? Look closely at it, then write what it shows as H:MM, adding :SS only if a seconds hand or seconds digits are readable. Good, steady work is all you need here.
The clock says 10:50
